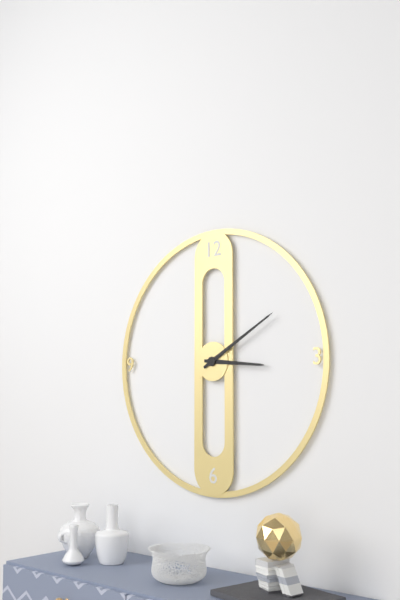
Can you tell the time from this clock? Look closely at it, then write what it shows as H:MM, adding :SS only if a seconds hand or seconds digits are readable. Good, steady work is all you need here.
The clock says 3:10
